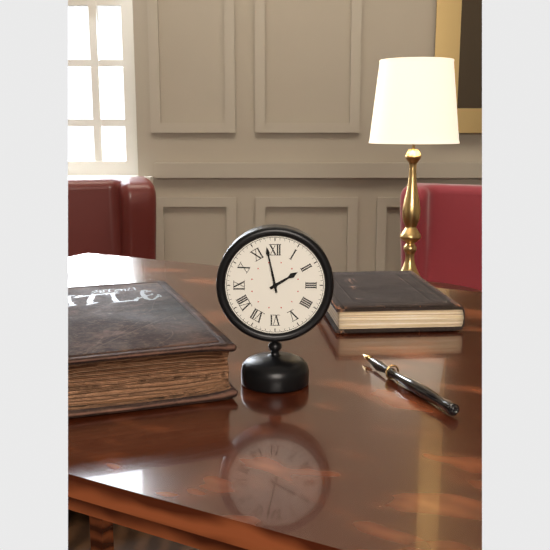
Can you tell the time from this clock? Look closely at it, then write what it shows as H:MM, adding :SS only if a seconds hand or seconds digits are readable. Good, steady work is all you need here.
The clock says 1:58
